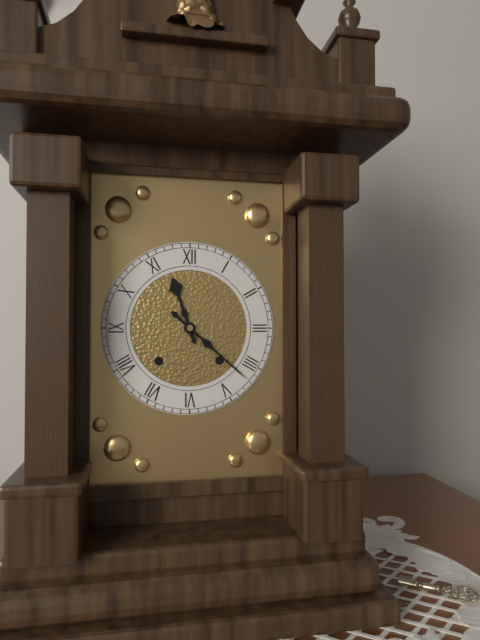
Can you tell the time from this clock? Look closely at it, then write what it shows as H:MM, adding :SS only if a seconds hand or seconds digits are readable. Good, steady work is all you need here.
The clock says 11:22
